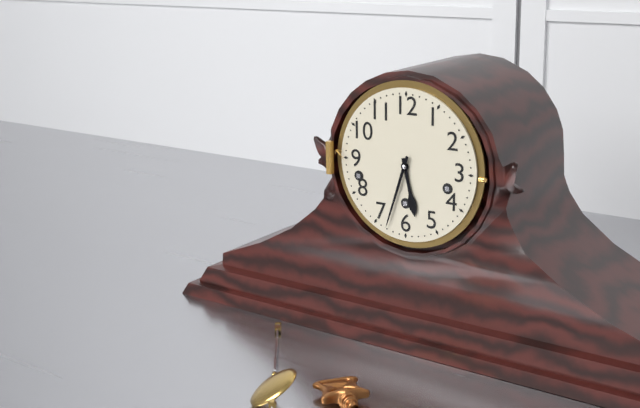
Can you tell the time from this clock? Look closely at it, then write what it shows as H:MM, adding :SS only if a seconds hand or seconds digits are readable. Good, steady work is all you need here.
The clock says 5:33
